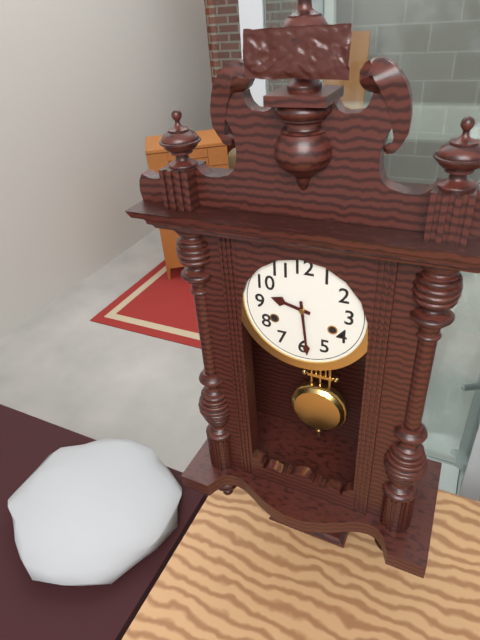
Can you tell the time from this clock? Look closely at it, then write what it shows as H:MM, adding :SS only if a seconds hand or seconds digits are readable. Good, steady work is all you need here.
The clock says 9:29
